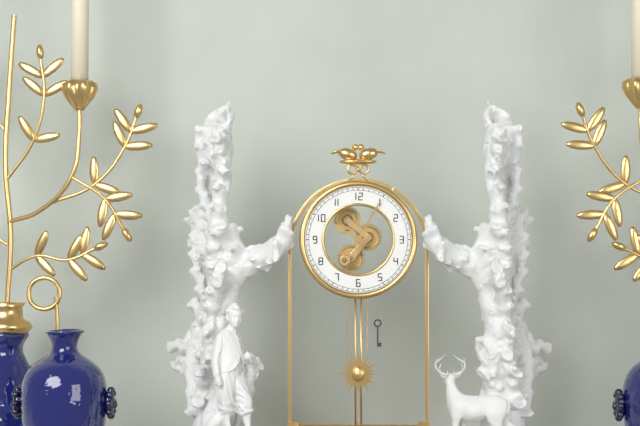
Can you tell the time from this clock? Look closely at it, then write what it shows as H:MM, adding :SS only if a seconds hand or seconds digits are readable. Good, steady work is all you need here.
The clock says 10:05
